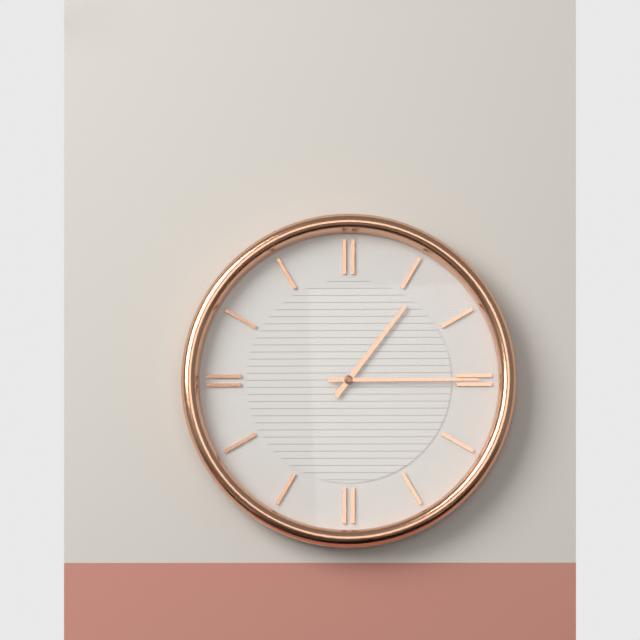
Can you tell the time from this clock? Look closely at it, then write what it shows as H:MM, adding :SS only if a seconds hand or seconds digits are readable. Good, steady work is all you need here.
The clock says 1:15
